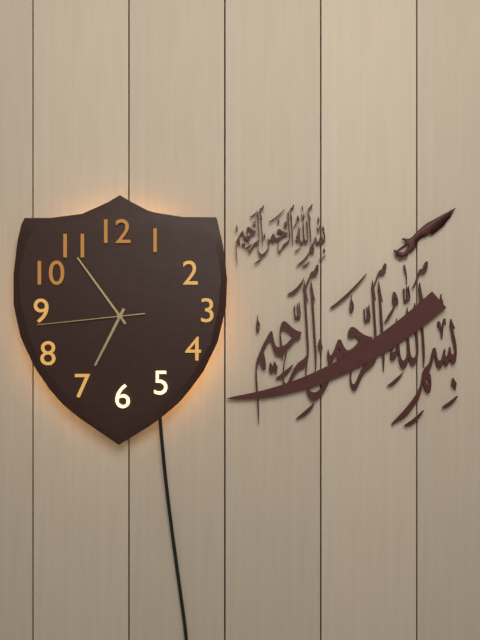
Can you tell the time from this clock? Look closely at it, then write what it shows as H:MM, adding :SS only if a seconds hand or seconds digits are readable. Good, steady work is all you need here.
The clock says 6:54:44
